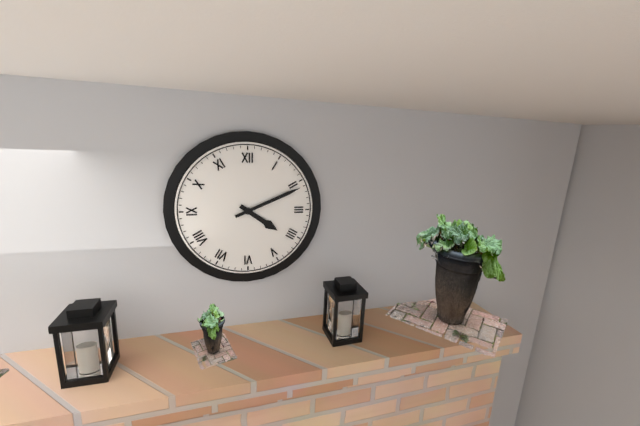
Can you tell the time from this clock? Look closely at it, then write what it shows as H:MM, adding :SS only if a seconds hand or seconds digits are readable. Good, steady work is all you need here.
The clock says 4:11
